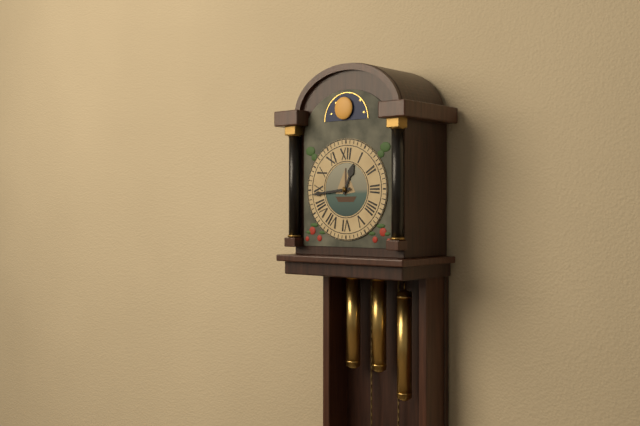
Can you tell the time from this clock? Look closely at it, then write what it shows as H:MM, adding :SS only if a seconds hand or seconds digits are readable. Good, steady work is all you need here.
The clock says 12:44
